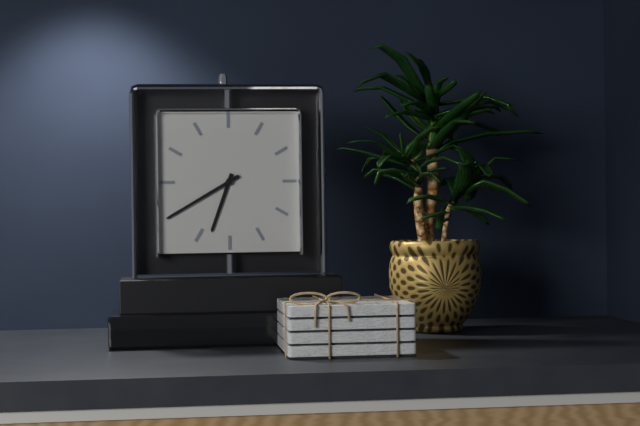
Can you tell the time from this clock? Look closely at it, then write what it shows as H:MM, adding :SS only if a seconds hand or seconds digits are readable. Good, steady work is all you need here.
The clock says 6:40
